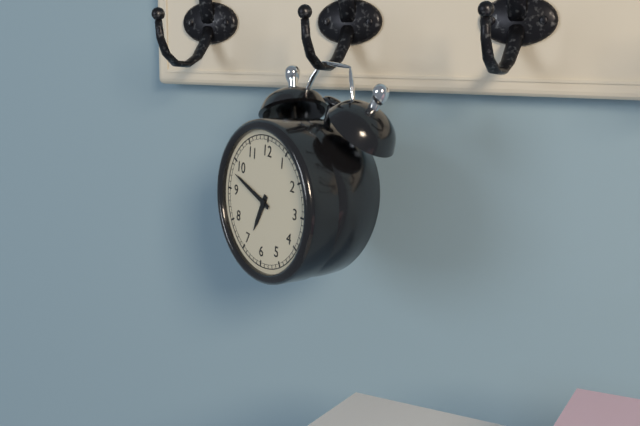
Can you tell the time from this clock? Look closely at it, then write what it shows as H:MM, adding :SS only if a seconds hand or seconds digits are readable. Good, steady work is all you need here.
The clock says 6:48
